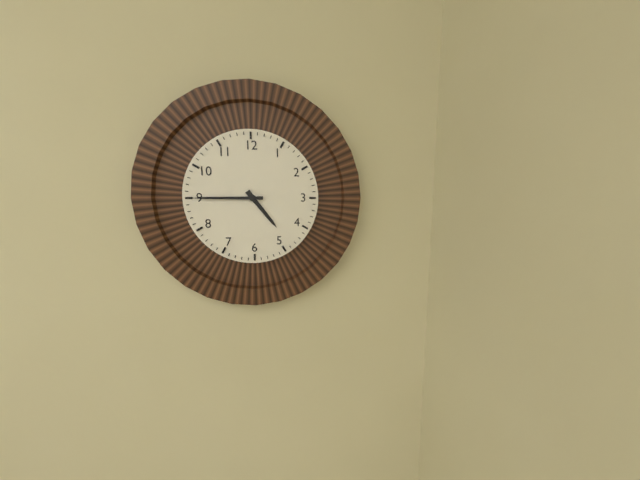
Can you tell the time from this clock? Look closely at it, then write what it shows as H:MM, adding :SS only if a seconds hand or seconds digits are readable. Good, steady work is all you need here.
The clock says 4:45
